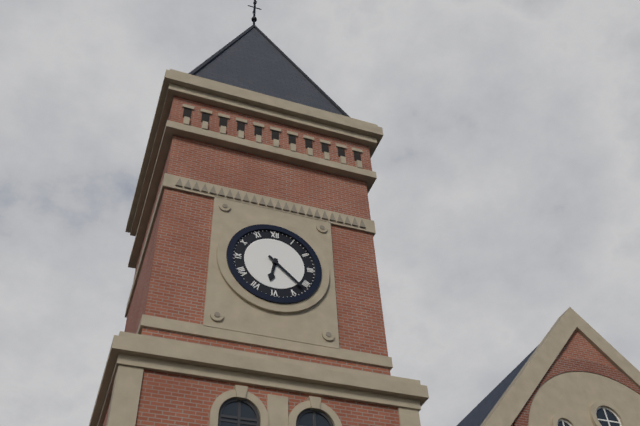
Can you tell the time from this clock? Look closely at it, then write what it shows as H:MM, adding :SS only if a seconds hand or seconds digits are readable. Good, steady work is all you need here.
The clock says 6:22
